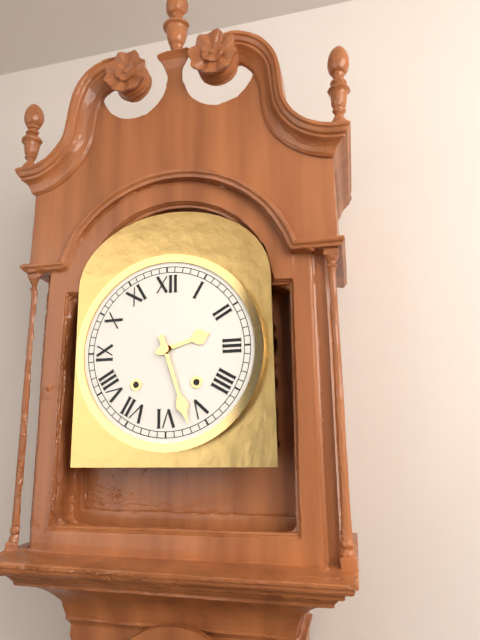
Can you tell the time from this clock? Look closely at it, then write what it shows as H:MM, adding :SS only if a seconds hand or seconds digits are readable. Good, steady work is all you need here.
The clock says 2:27
